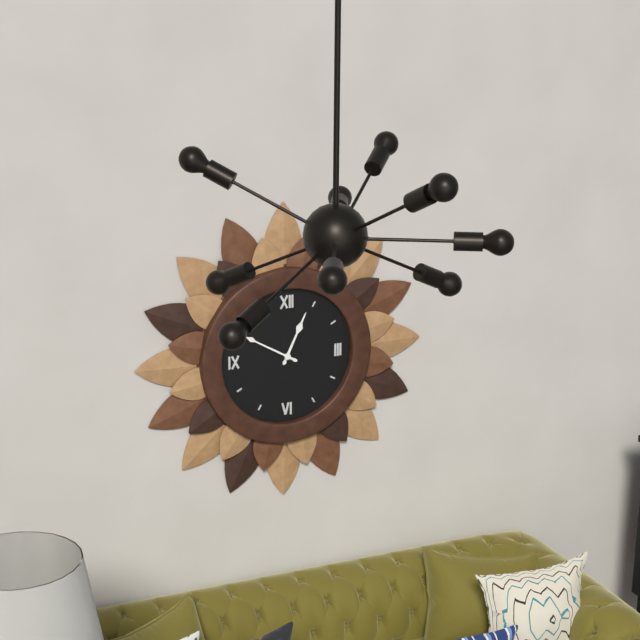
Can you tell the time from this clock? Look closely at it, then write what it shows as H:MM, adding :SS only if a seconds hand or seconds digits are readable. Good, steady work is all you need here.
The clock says 12:50
